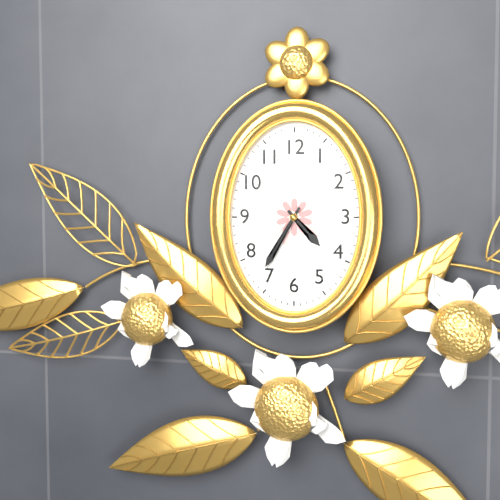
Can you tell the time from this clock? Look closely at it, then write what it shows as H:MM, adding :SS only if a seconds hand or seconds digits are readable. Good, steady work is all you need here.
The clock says 4:35
